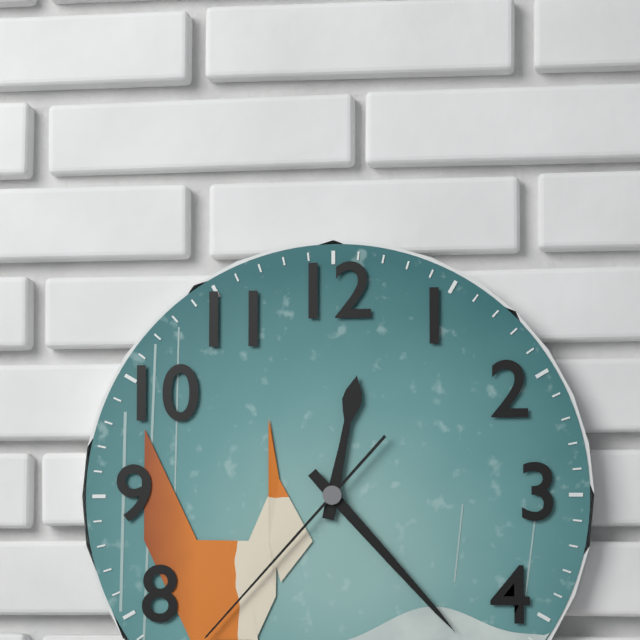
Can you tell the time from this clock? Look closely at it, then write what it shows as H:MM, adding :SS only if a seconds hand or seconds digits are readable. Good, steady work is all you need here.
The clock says 12:23:37
